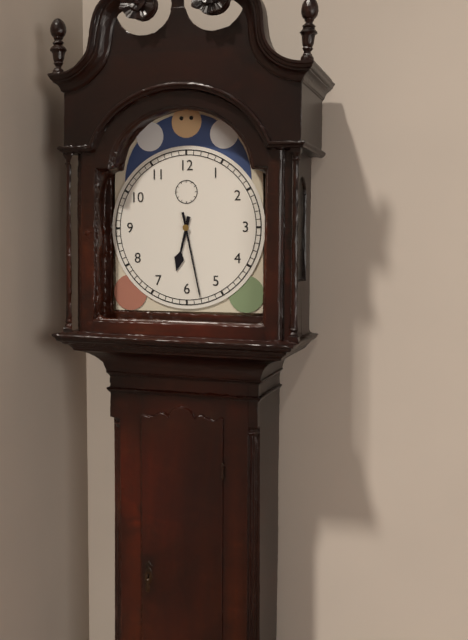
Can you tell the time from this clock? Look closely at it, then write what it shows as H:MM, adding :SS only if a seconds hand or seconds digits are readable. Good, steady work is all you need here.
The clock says 6:28
